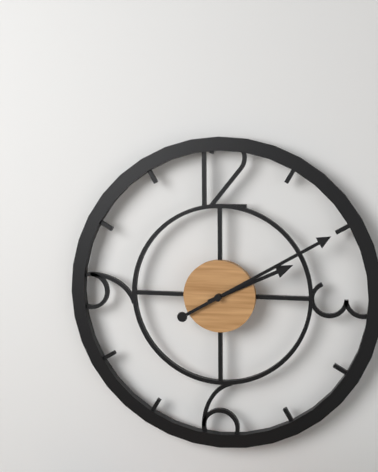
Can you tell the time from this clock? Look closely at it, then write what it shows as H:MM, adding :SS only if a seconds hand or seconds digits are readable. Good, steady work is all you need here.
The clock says 2:10
